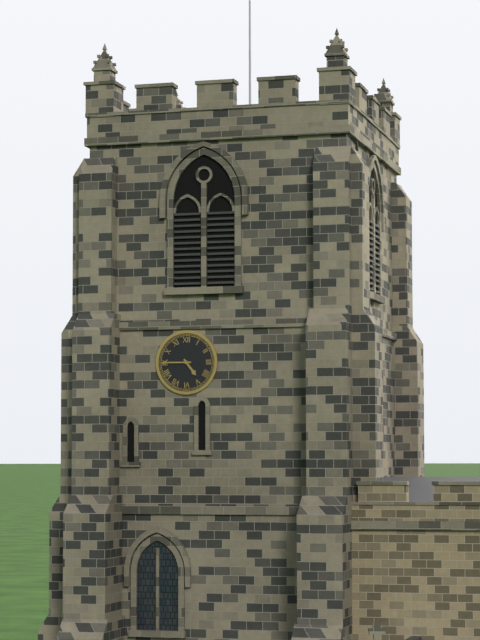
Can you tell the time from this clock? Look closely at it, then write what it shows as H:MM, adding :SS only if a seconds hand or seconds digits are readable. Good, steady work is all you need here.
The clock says 4:45
